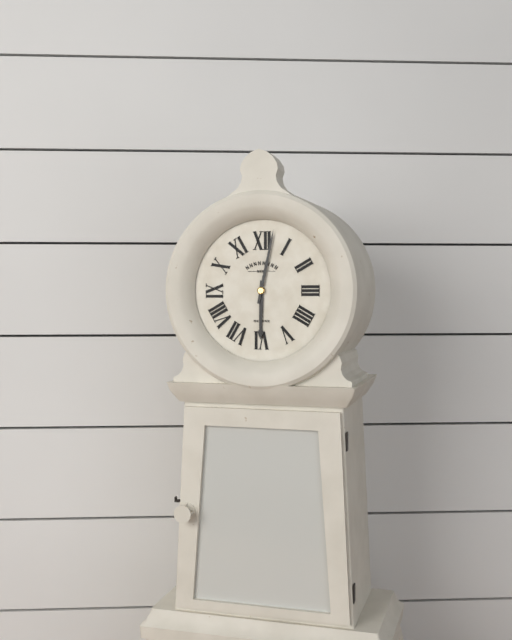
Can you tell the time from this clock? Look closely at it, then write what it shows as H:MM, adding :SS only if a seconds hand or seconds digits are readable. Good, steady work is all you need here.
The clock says 6:02
